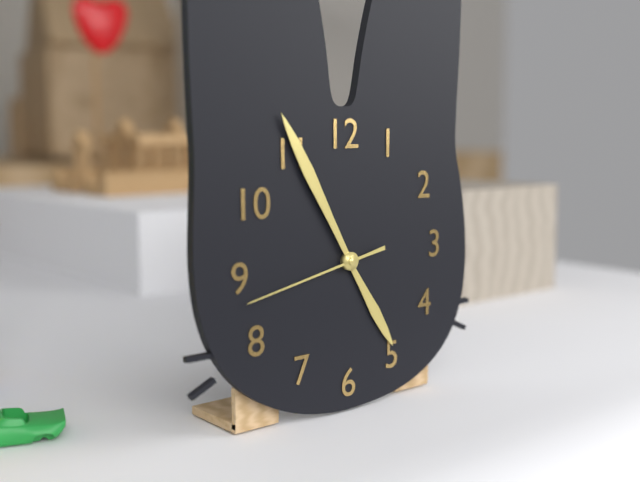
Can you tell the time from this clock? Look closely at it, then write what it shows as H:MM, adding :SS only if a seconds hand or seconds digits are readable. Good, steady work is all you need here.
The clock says 4:55:43
